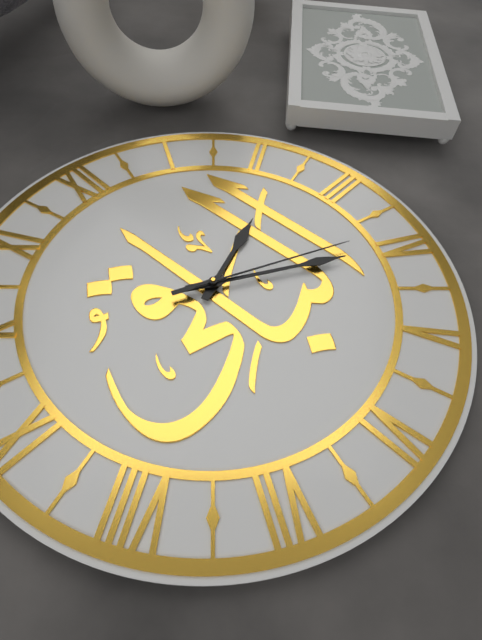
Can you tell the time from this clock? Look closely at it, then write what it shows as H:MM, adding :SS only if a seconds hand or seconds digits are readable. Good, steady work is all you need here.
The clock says 2:20:19
